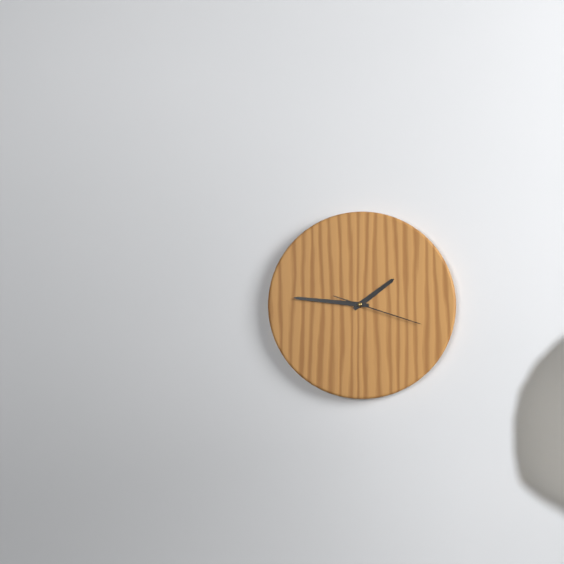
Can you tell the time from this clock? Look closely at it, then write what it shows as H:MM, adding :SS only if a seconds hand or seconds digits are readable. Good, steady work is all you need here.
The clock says 1:46:18
